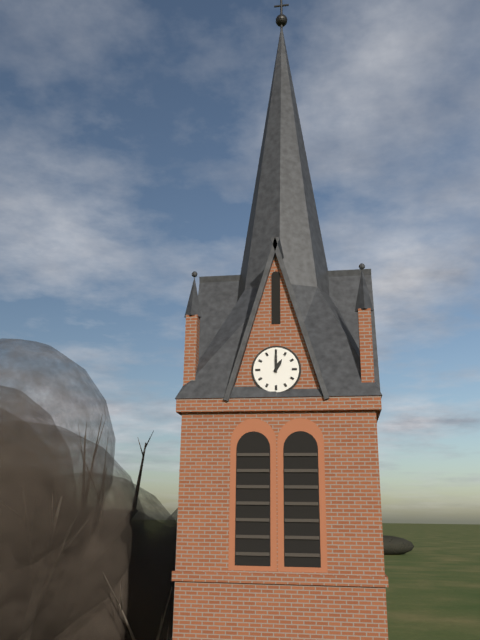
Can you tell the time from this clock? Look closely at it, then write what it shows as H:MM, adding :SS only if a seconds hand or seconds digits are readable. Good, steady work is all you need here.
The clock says 1:00
